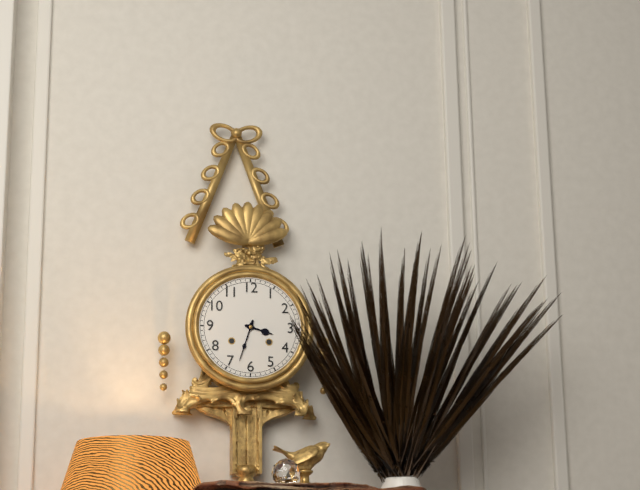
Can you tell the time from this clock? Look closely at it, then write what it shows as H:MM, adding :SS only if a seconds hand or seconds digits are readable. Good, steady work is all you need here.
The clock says 3:33
